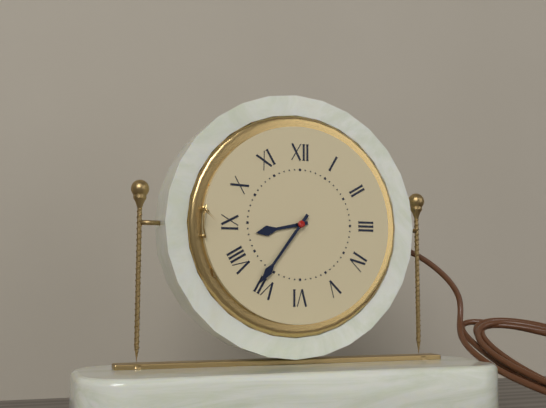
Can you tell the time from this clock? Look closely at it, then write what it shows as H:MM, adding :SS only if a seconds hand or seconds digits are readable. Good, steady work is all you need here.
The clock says 8:36
